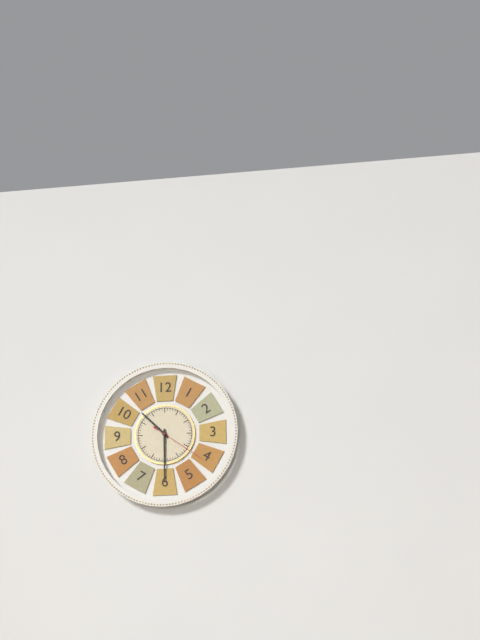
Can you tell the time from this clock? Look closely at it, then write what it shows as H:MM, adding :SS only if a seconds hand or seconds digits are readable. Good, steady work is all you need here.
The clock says 10:30:21
